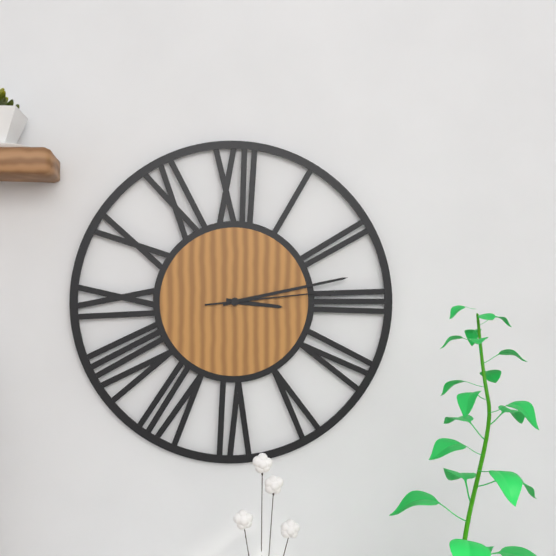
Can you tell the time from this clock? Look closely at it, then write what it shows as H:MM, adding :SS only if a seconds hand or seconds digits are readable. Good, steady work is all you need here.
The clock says 3:13:14
